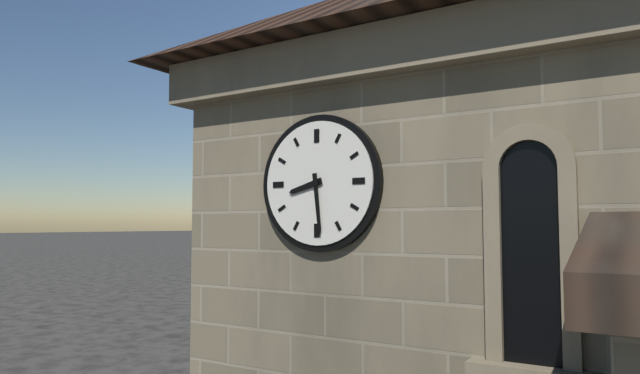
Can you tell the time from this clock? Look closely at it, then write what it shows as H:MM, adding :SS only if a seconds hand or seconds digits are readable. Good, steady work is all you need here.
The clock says 8:29
